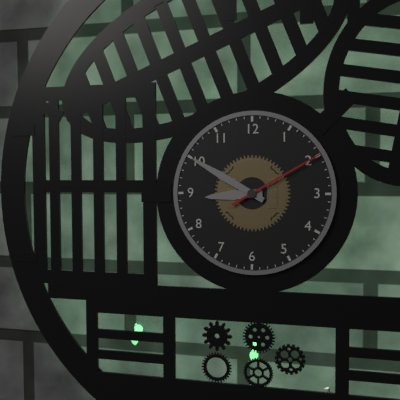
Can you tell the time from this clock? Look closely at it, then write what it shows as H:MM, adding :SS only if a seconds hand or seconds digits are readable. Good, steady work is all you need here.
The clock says 8:50:10
